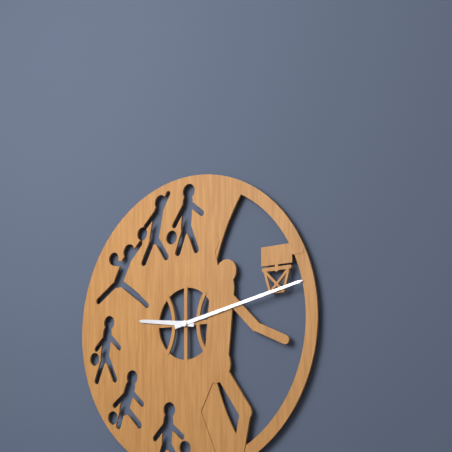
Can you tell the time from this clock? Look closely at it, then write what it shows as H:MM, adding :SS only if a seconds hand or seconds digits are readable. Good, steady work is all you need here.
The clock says 9:13
